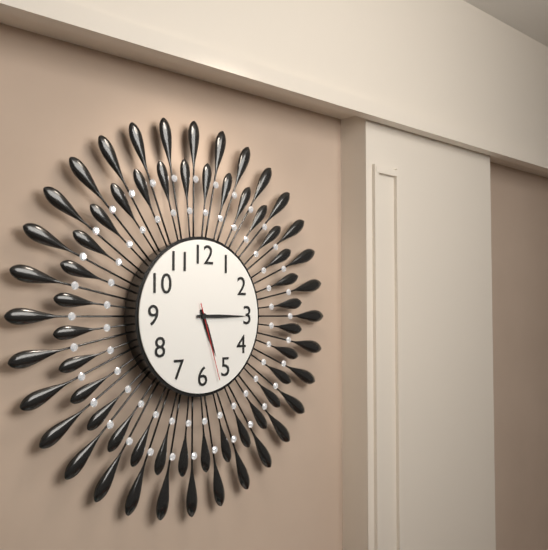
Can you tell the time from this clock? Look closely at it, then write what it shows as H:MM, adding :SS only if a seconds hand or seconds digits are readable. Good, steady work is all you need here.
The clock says 5:15:27
